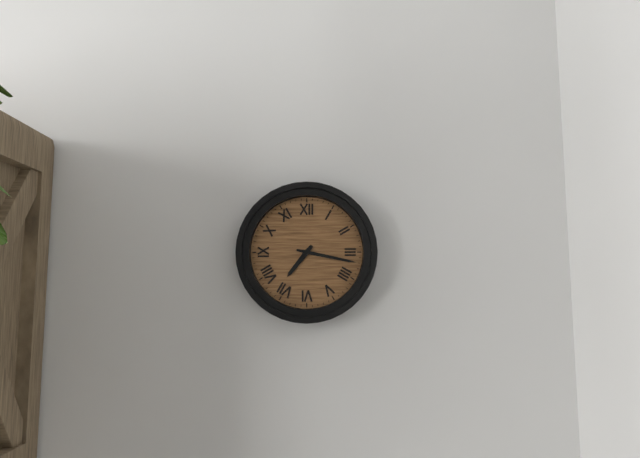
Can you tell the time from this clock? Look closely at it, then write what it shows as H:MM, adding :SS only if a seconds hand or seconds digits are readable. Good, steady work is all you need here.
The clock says 7:17
